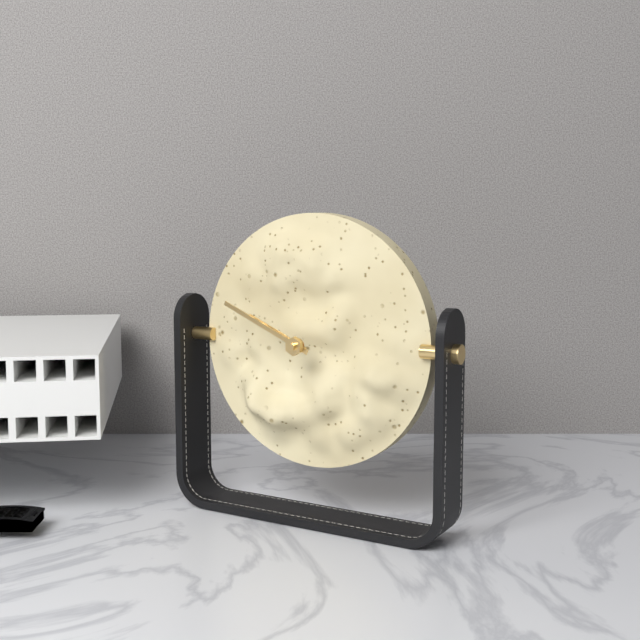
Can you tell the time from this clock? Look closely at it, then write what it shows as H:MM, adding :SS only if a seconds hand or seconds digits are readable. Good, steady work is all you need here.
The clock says 9:49
